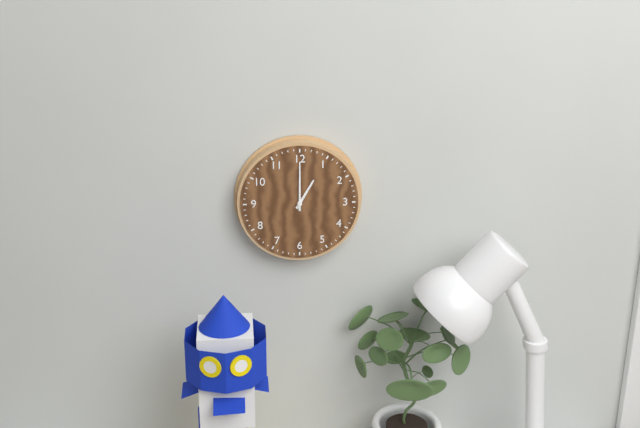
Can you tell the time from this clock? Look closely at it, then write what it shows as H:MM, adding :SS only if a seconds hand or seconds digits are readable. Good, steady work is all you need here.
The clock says 1:00
